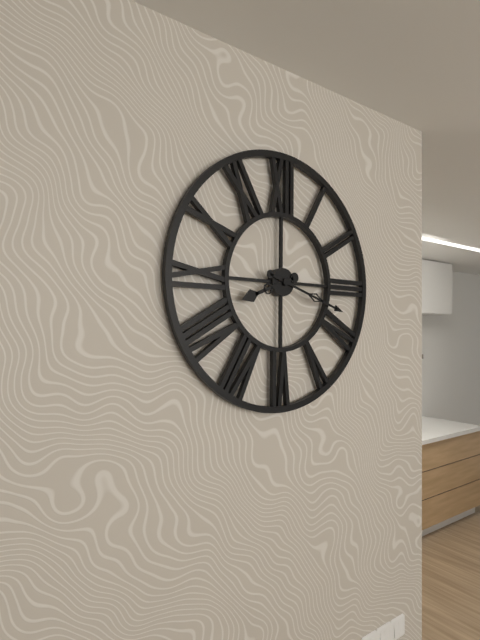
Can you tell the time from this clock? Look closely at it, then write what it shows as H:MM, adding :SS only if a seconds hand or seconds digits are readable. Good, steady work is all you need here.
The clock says 8:18
